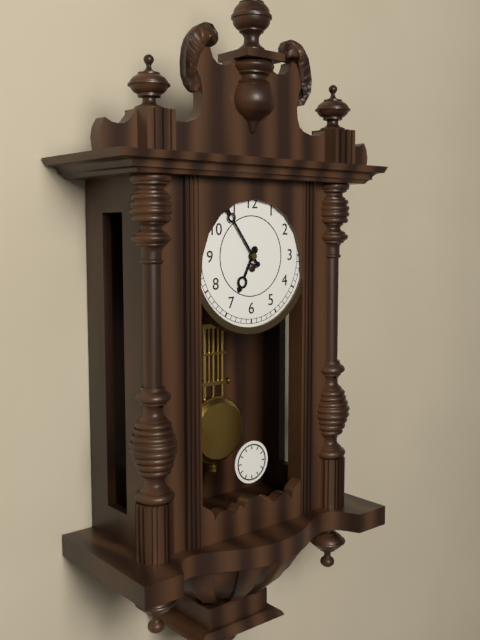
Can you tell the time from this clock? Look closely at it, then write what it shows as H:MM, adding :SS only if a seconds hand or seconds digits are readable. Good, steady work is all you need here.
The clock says 6:54
